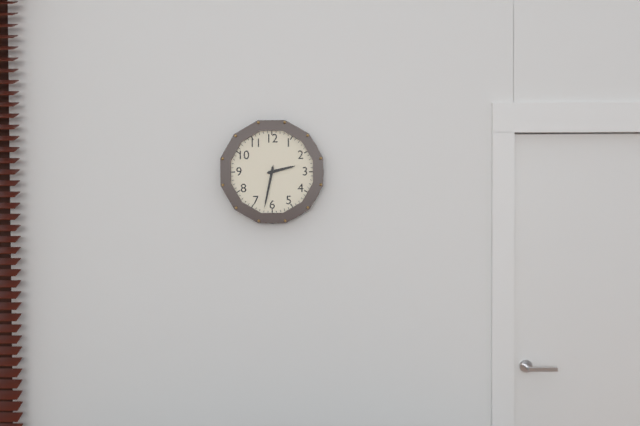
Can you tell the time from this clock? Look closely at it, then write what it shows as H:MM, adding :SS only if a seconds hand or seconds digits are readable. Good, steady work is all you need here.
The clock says 2:32
